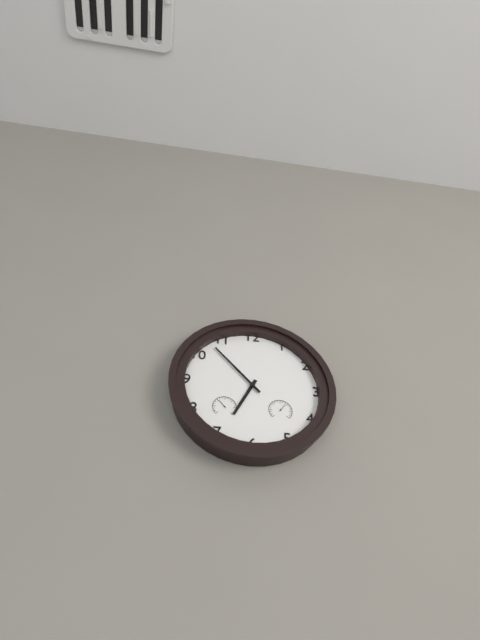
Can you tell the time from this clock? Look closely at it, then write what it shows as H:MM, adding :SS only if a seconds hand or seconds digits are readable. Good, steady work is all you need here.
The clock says 6:53
